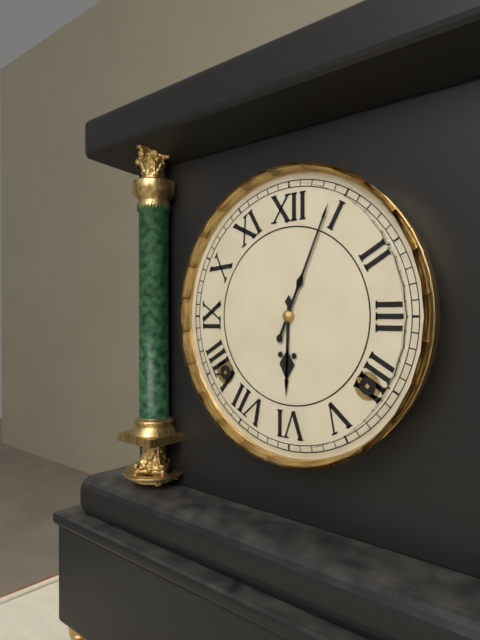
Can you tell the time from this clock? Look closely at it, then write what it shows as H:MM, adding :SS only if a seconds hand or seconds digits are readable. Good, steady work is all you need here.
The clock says 6:04
